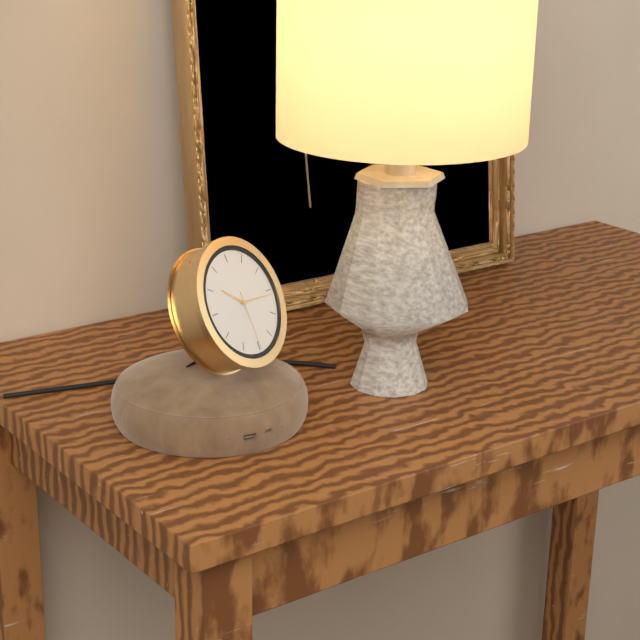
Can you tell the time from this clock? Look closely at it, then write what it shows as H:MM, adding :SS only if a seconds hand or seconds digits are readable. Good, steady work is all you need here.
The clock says 10:16:30
